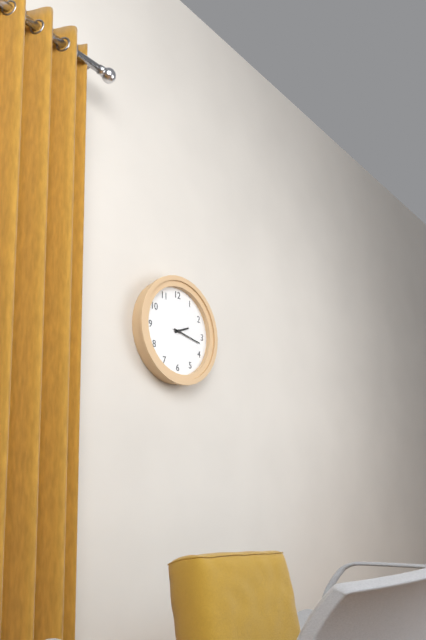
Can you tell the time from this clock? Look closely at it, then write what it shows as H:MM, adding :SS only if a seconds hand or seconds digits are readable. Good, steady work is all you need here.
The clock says 2:17
